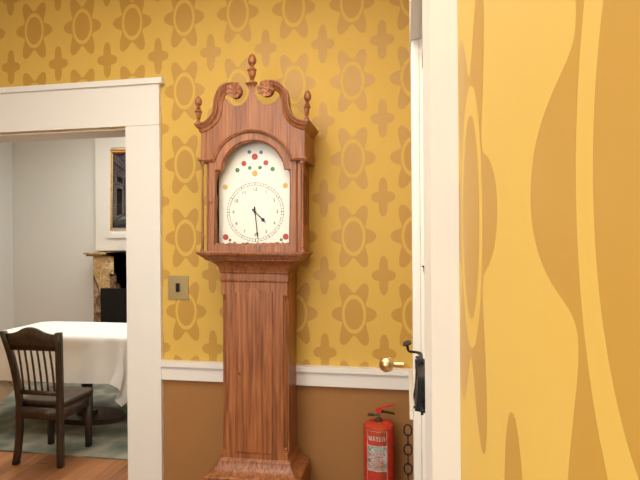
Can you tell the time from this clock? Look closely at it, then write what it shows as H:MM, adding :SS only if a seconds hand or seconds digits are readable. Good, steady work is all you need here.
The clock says 4:29
